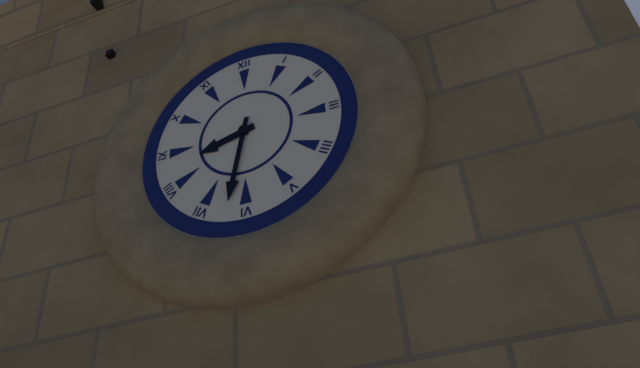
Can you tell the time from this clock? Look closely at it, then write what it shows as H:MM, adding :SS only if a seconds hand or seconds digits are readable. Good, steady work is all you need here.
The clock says 8:32
